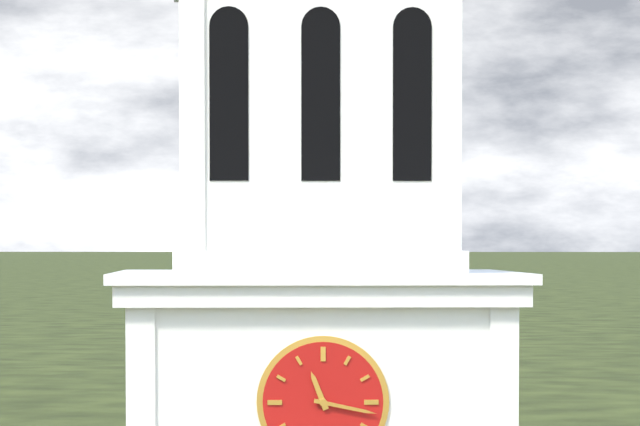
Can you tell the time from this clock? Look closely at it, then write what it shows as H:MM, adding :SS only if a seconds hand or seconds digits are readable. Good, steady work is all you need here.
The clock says 11:17
